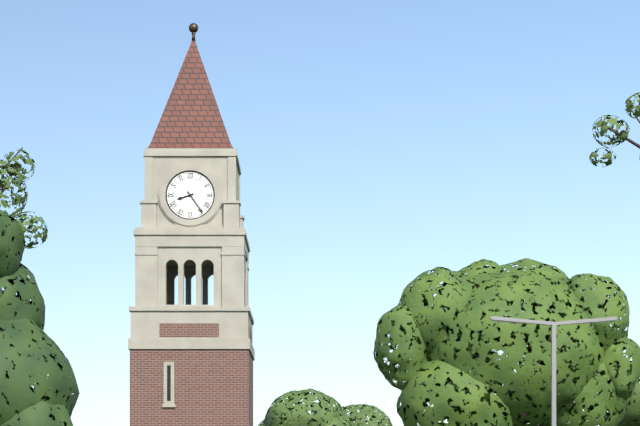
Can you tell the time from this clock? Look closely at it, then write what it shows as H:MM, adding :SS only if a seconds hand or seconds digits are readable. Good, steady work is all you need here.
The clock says 8:24
